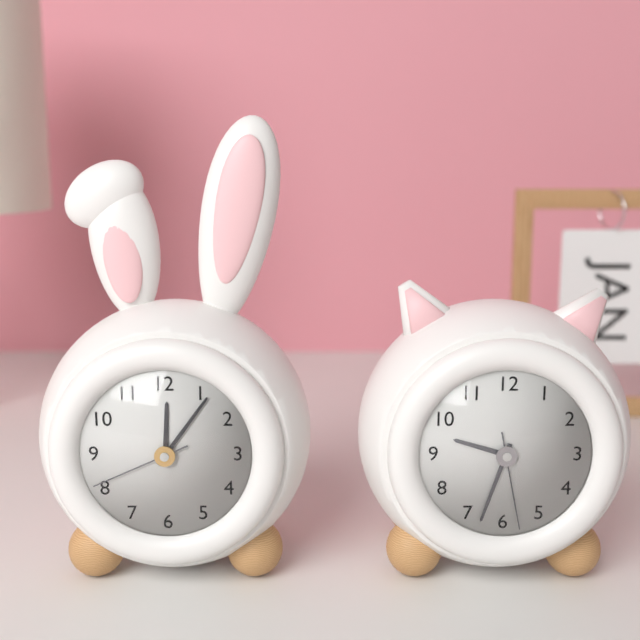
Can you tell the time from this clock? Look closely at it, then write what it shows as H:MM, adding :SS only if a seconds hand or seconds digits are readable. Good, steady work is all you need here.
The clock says 12:06:41
